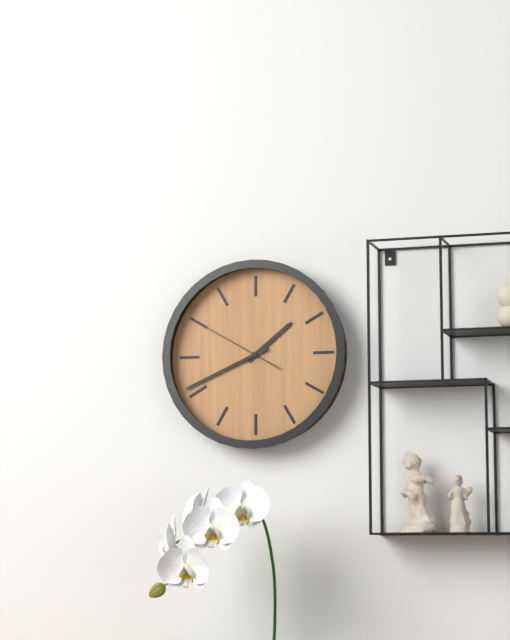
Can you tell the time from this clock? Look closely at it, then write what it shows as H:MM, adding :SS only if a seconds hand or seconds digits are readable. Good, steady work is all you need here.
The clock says 1:41:50
